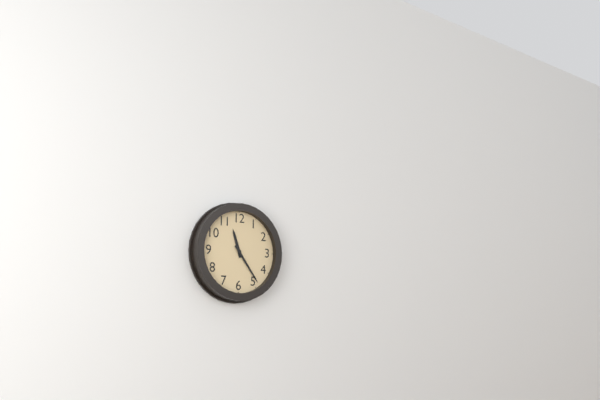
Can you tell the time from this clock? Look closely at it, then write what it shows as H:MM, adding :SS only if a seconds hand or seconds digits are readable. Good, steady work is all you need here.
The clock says 11:24
